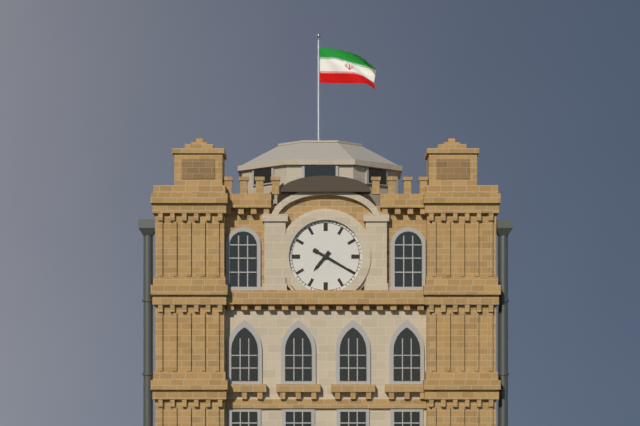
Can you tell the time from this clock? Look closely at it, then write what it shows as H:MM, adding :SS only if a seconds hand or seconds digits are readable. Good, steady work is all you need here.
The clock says 7:20
